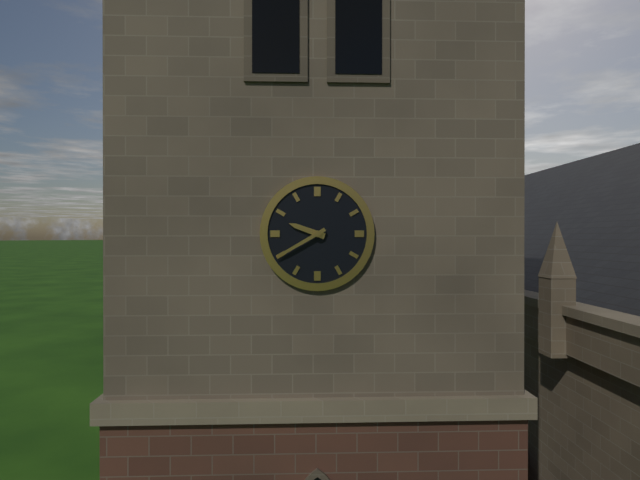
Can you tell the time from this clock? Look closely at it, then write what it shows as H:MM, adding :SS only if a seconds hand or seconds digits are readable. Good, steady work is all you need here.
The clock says 9:40
